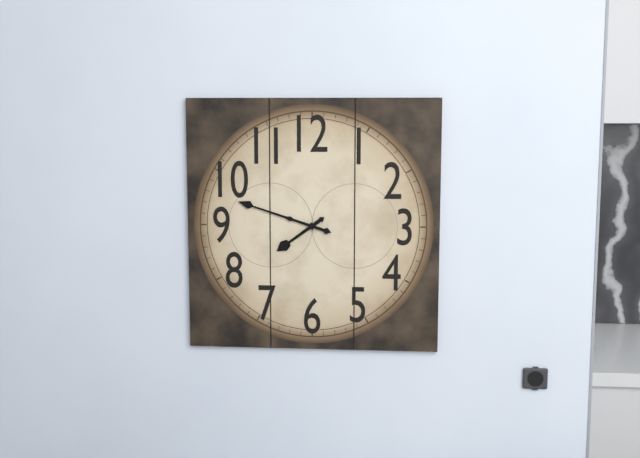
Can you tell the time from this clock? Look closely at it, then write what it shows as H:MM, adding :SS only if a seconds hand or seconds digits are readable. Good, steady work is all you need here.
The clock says 7:48
